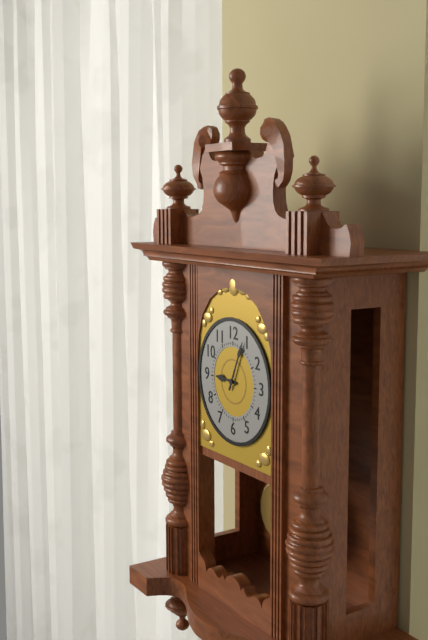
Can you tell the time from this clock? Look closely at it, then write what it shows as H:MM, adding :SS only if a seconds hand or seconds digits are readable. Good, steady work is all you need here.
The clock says 9:04
